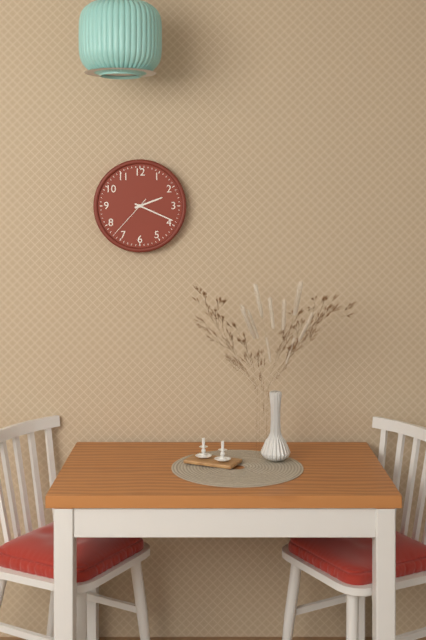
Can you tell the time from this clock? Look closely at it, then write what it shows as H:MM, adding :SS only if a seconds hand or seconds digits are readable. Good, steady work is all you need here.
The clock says 2:19
